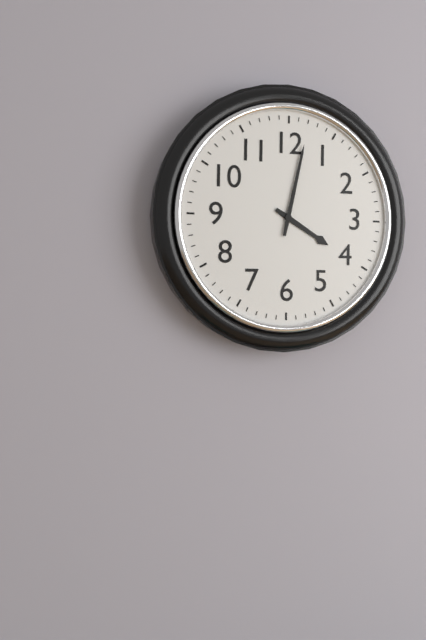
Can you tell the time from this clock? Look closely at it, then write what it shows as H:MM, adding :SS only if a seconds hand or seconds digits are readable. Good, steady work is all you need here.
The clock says 4:02
